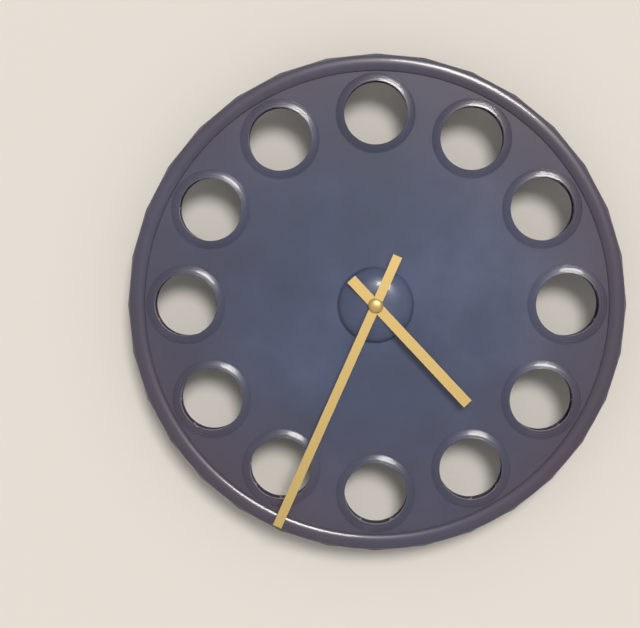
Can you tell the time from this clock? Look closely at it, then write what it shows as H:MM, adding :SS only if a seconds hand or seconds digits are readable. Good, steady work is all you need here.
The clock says 4:34
